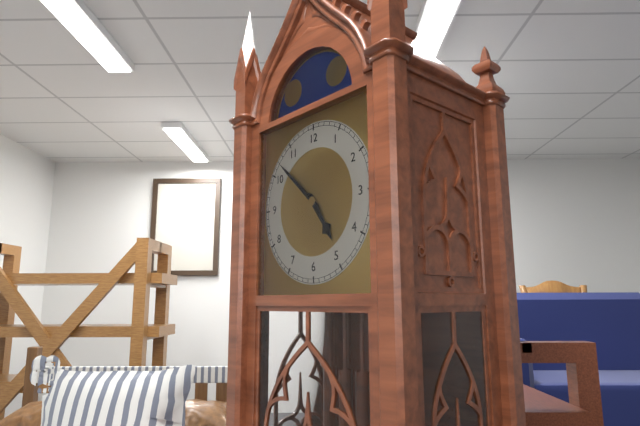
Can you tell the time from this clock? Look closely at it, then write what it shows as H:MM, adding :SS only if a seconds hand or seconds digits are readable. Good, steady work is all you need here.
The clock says 4:52
